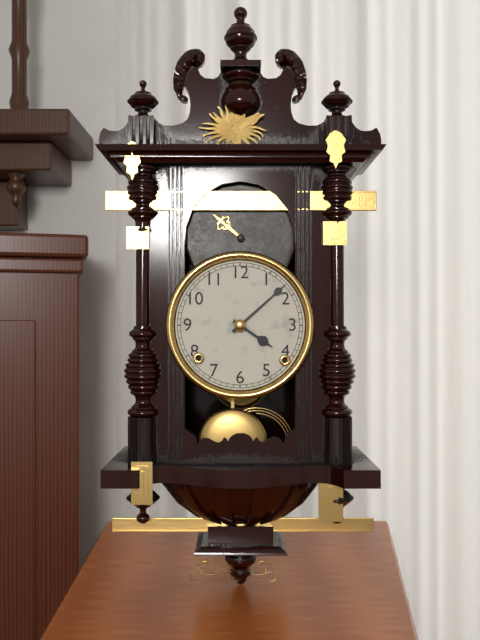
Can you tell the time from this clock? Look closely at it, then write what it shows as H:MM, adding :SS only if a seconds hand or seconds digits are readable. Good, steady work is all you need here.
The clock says 4:08
